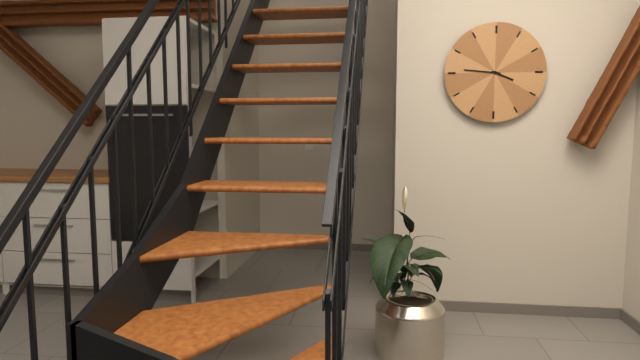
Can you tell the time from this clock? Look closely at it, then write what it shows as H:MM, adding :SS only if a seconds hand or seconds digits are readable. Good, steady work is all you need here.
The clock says 3:46
